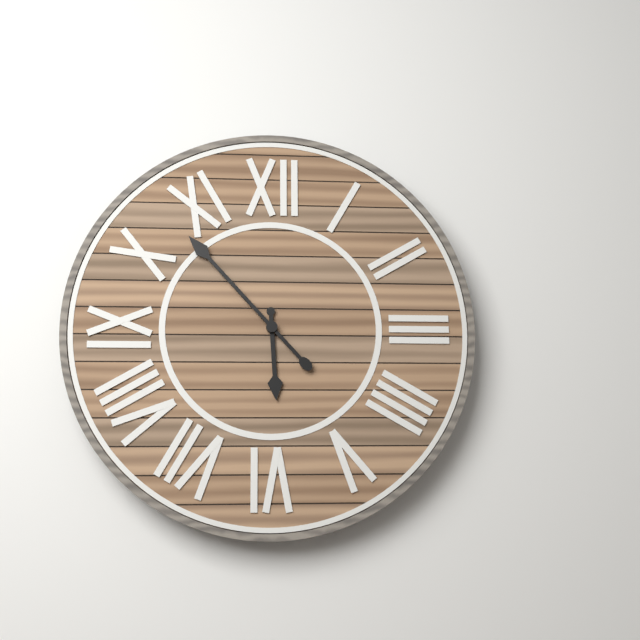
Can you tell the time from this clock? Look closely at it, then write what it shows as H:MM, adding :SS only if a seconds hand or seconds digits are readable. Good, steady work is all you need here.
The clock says 5:53
